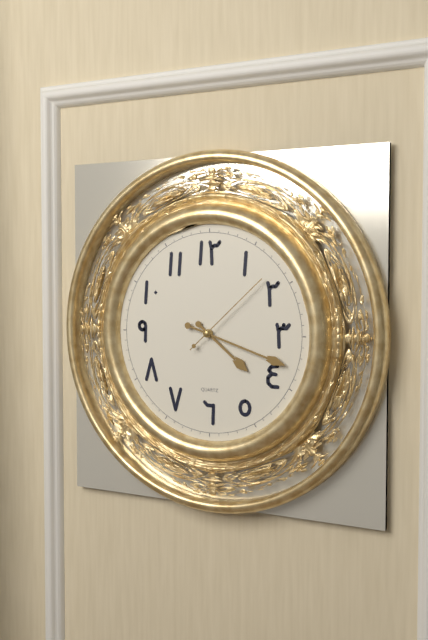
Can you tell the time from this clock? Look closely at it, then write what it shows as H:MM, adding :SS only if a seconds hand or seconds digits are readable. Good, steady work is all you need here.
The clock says 4:18:08
